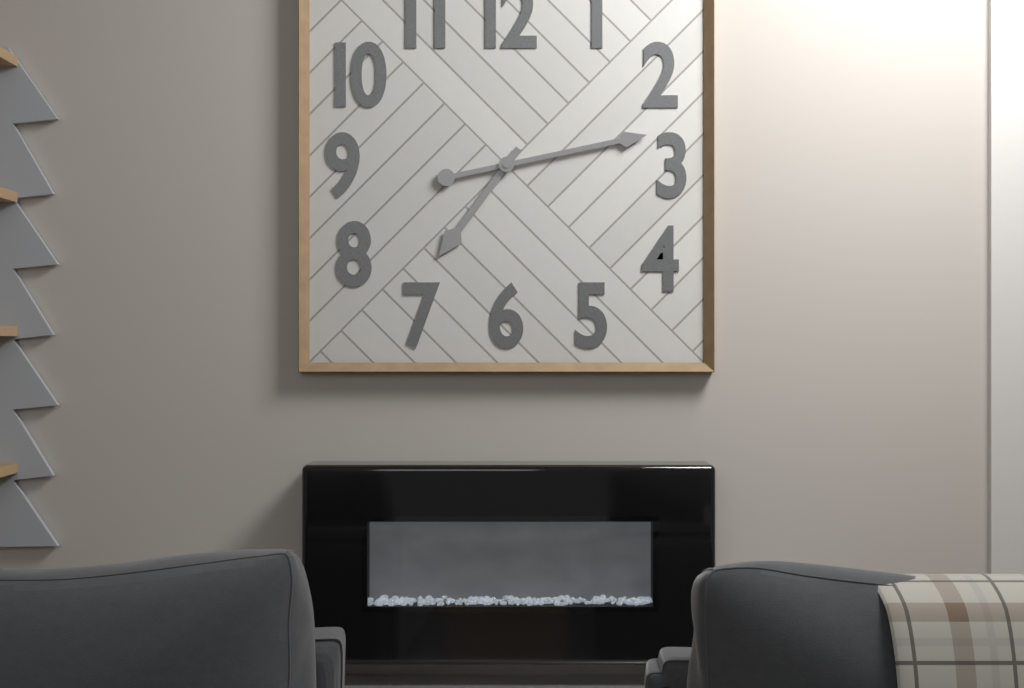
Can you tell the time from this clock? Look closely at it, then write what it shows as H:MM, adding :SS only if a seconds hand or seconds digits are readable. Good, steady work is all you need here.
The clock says 7:13
